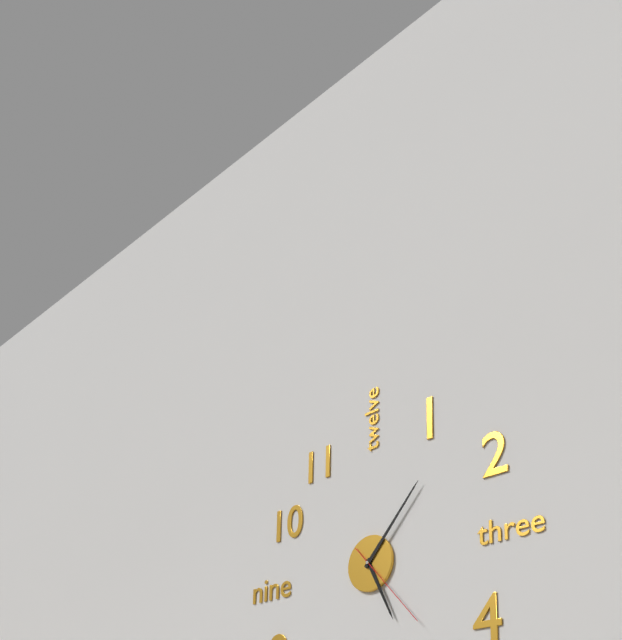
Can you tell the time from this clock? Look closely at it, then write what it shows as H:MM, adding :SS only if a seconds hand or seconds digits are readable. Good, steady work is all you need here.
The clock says 5:07:23
